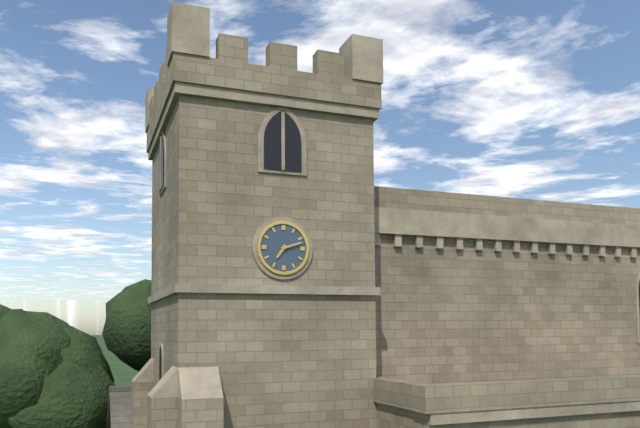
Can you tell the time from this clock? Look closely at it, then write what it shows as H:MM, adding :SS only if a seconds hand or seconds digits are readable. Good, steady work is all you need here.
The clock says 7:12
